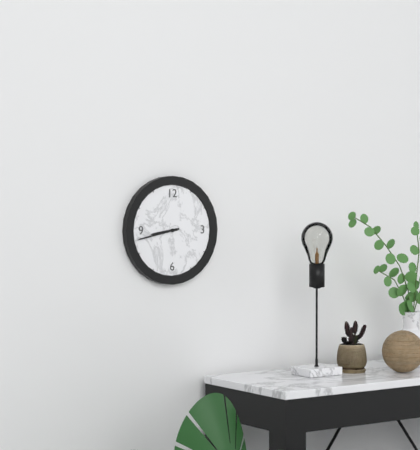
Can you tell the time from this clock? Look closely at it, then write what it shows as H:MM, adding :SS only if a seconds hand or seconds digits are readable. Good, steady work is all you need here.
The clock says 8:43
